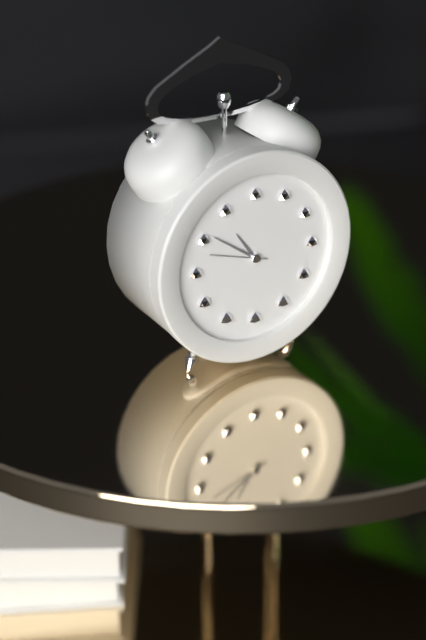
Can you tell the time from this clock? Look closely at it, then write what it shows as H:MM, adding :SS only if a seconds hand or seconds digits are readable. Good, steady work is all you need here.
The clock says 10:51:48
